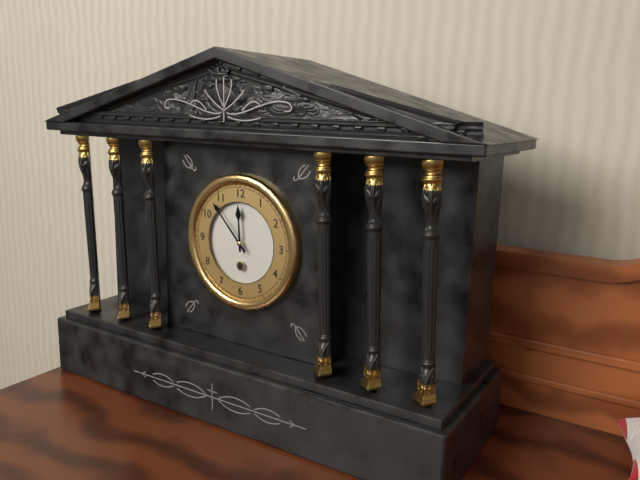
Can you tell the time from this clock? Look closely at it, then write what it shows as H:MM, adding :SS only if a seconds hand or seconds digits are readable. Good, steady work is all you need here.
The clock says 11:53
